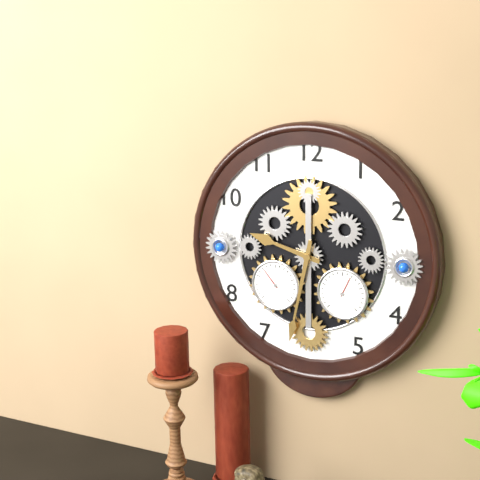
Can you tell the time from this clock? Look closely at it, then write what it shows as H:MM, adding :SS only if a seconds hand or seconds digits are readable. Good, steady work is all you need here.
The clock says 9:32
